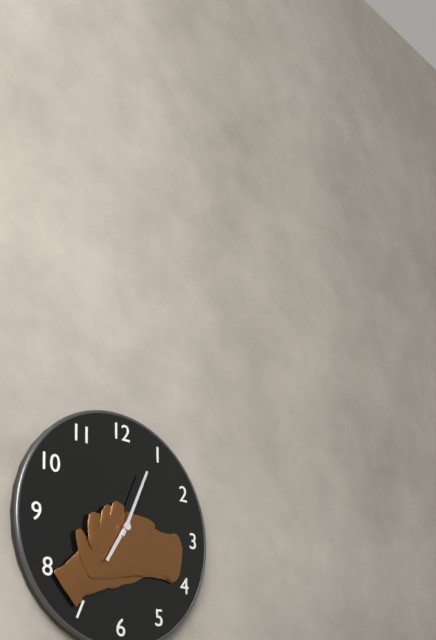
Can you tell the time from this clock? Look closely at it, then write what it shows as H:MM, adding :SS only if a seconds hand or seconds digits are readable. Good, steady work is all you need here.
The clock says 7:04
